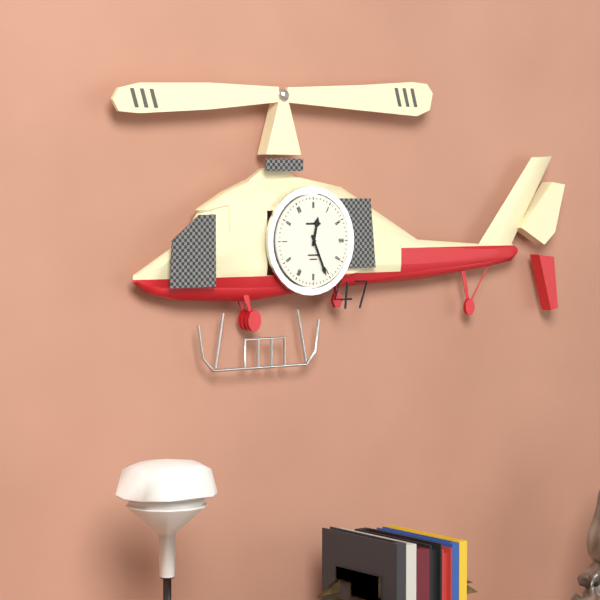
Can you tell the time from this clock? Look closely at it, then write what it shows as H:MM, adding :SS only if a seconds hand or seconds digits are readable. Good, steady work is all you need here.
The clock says 12:26
